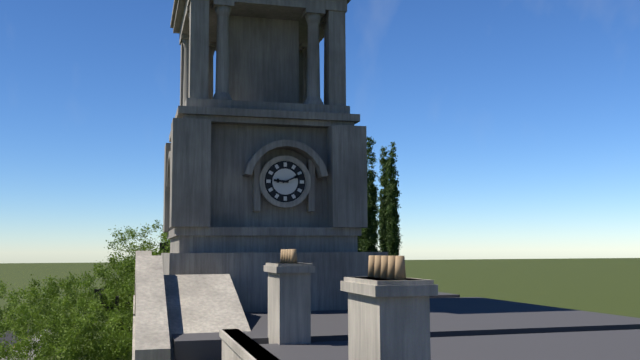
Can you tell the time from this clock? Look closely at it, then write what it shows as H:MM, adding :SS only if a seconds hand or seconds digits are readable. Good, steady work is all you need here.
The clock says 9:11
